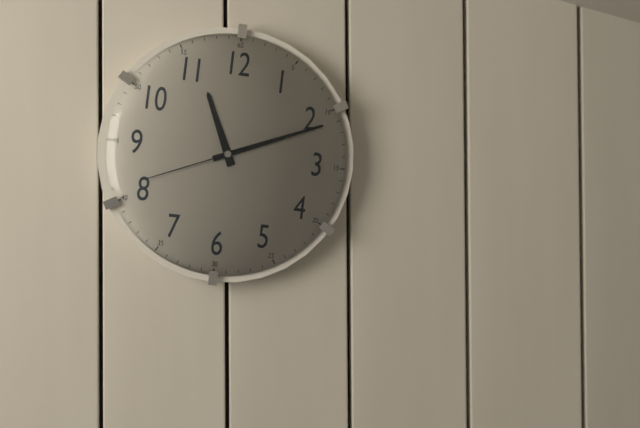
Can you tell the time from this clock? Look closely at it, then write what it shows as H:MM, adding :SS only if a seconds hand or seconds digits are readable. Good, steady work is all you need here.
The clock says 11:11:41
